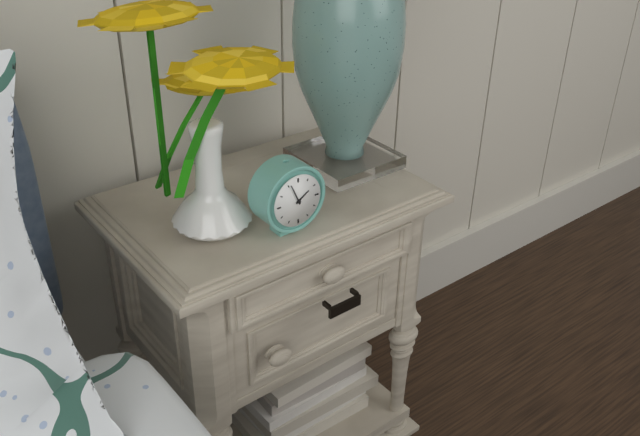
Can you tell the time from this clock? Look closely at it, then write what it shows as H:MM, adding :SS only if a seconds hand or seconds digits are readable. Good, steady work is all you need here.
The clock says 1:56
